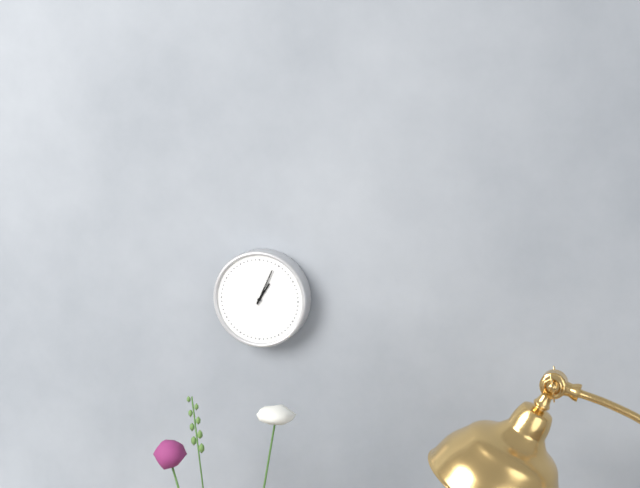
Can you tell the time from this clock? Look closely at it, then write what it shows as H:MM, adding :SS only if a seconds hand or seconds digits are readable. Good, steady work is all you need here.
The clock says 1:04
